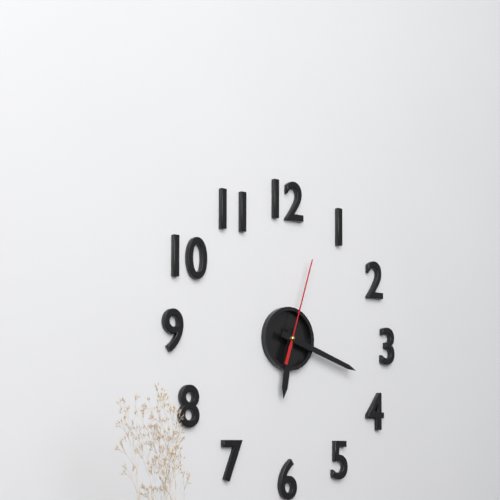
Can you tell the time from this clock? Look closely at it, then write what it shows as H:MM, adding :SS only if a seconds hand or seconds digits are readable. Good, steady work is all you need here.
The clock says 6:18:03
